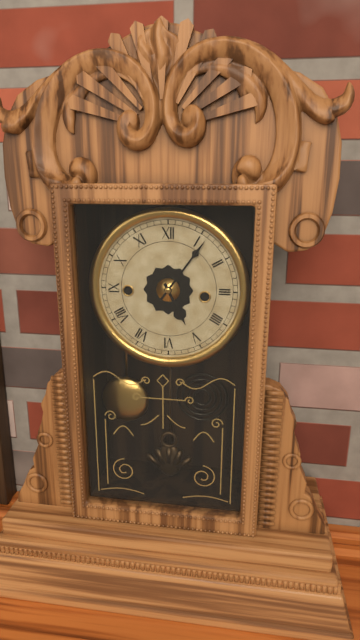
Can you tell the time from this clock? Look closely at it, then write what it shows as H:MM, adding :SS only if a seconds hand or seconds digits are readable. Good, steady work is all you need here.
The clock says 5:06
